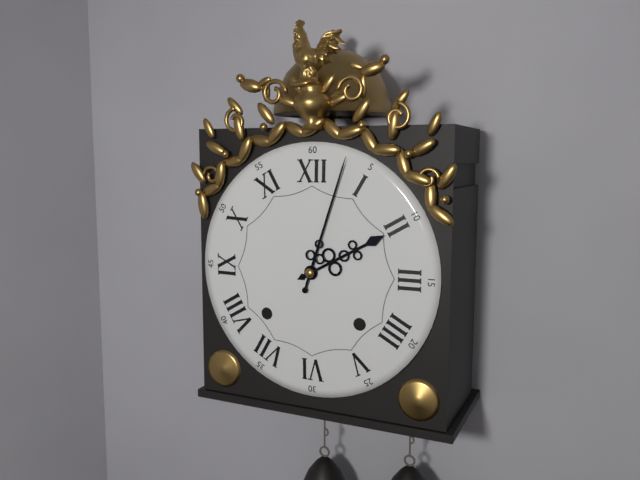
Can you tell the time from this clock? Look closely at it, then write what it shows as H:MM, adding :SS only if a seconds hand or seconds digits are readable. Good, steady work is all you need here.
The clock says 2:03
